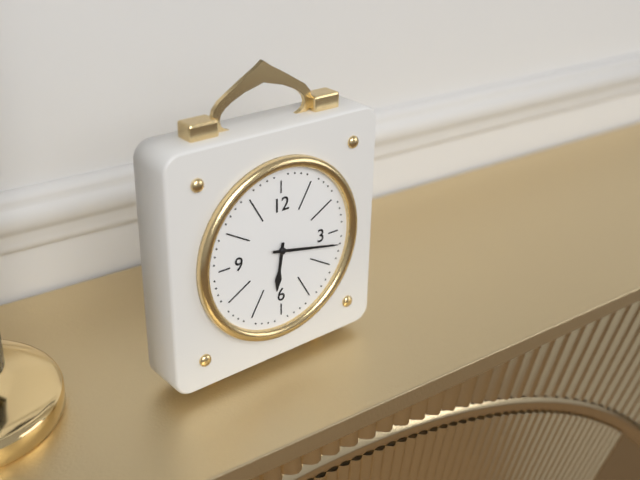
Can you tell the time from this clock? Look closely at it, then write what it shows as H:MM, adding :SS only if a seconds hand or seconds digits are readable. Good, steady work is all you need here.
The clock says 6:17
